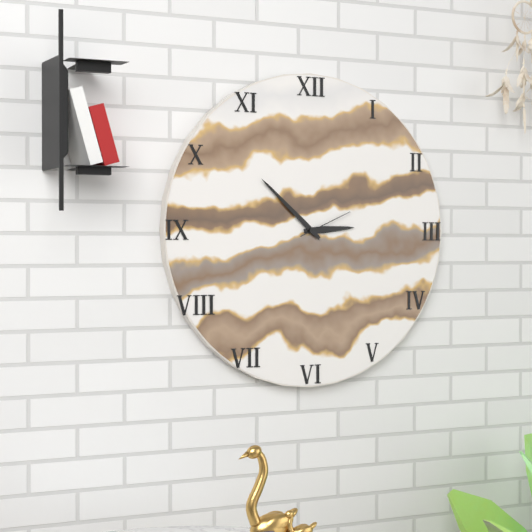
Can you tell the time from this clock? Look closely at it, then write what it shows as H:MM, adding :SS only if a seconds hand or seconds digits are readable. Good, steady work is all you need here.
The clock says 2:52:11
